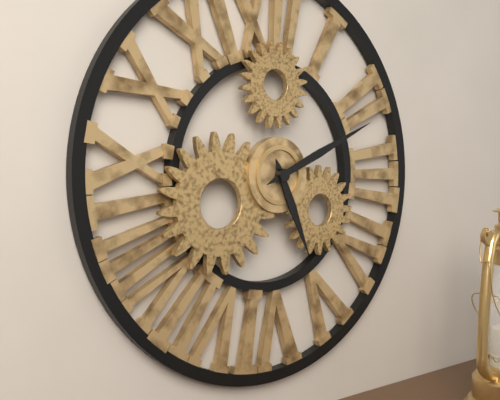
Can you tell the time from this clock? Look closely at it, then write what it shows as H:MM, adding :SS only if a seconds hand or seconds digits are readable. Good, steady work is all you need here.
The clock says 5:11
